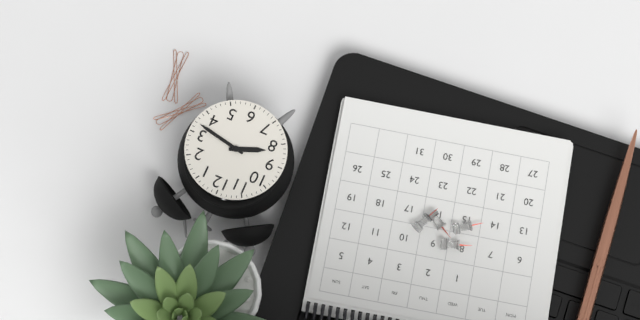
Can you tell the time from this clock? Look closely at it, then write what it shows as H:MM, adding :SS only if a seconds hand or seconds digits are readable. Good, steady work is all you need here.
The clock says 8:17
